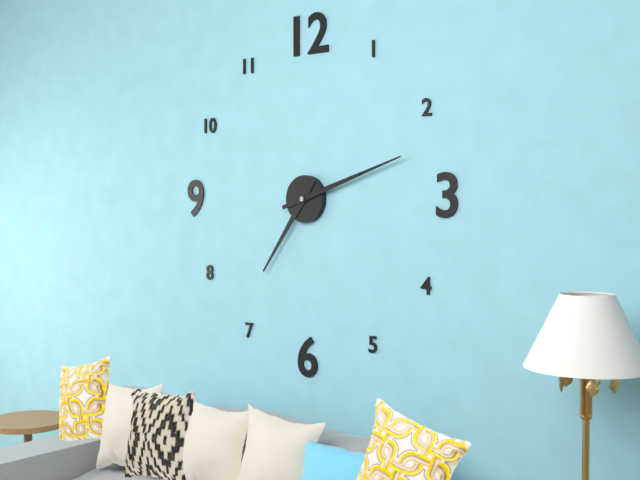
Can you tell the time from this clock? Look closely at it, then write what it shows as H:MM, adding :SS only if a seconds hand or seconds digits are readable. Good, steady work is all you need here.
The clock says 7:12
